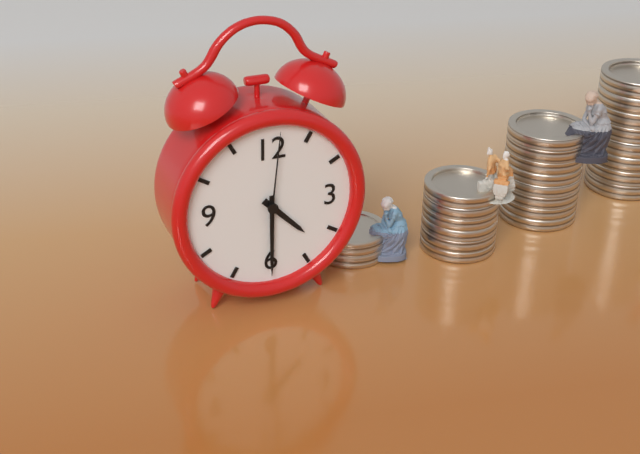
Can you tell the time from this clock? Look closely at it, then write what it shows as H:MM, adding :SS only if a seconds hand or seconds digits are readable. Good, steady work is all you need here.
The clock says 4:30:01
